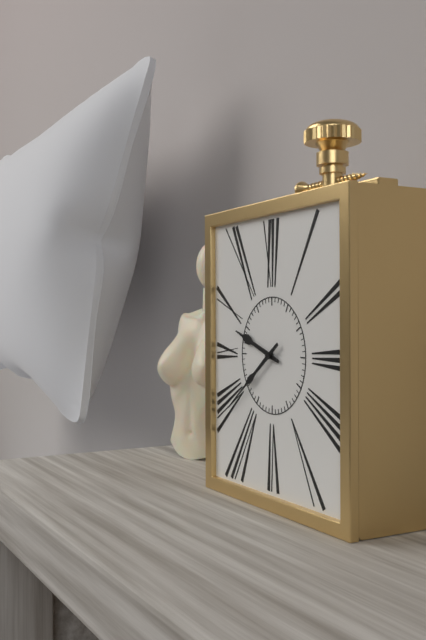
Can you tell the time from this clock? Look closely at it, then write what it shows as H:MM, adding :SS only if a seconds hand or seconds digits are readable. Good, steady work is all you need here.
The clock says 9:39
